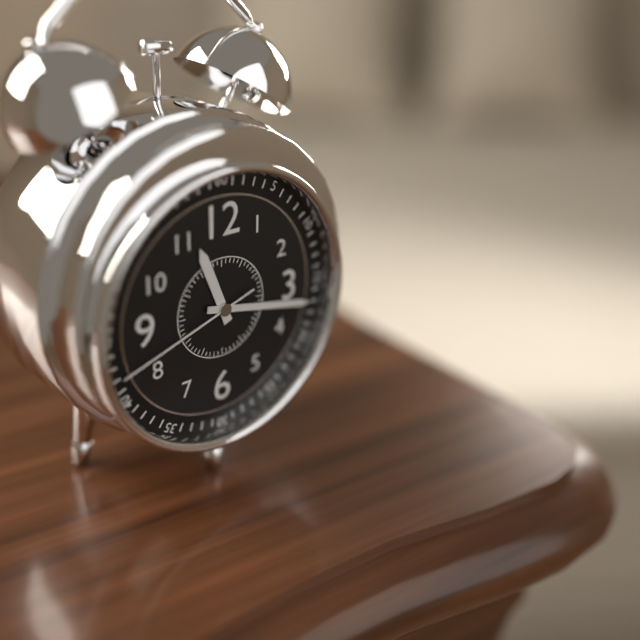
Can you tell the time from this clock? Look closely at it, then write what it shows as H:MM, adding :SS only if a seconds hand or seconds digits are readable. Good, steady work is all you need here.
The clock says 11:17:42
